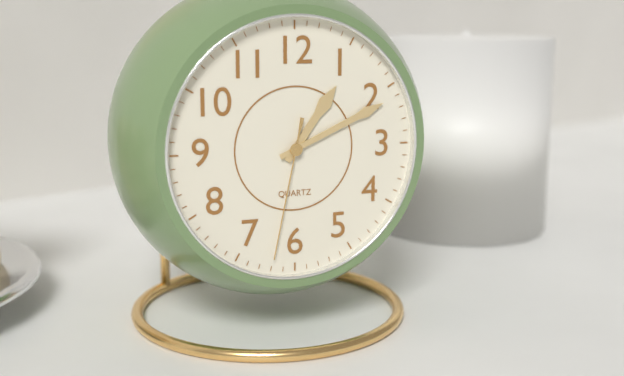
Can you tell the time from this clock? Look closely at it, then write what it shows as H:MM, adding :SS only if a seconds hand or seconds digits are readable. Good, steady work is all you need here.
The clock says 1:11:32
